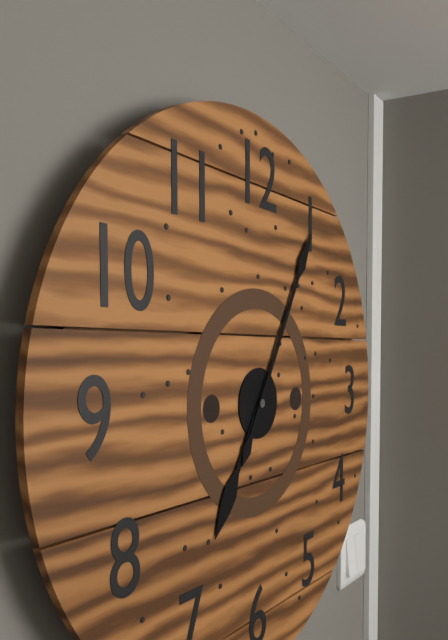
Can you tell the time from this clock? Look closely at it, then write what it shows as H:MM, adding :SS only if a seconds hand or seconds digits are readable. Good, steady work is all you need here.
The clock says 7:05
